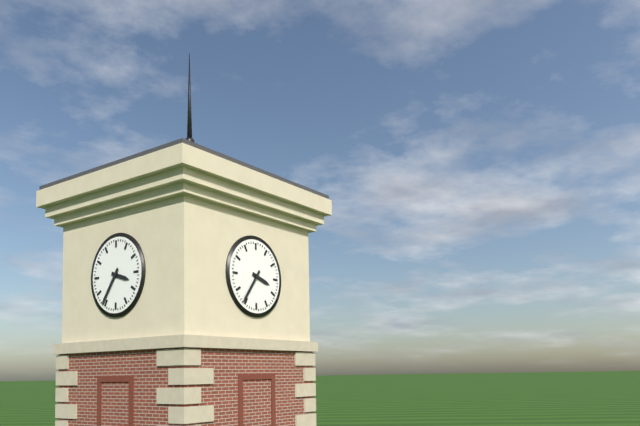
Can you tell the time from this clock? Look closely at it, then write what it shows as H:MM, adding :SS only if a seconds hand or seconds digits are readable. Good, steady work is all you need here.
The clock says 3:36
